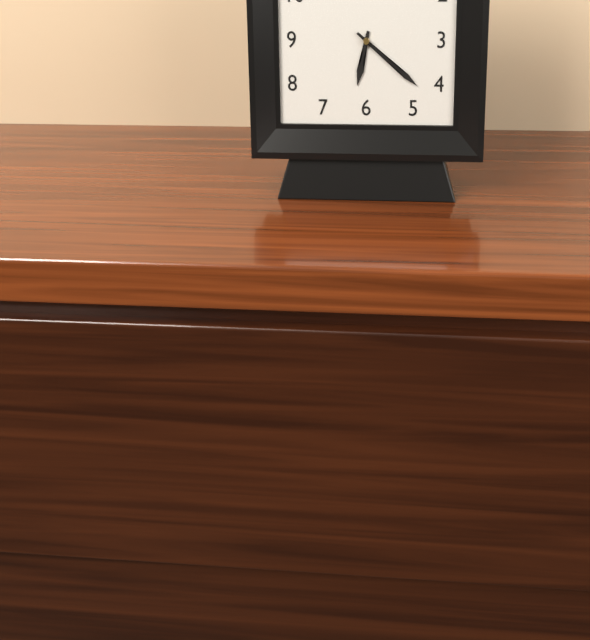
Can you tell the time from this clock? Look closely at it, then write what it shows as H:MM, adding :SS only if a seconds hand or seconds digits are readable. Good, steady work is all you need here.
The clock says 6:22
